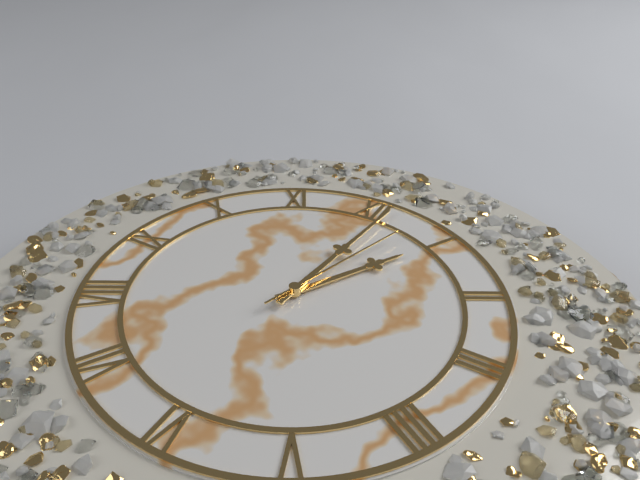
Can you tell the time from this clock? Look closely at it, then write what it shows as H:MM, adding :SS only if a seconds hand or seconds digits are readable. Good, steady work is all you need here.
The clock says 1:01:03
